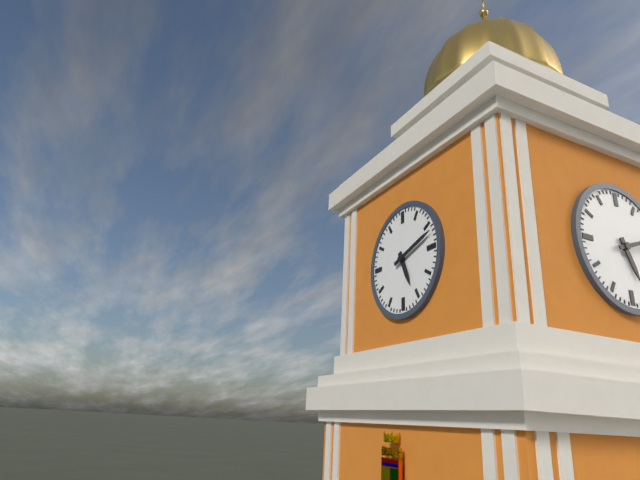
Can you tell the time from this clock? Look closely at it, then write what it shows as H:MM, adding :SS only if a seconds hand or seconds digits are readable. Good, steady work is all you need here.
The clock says 5:12
